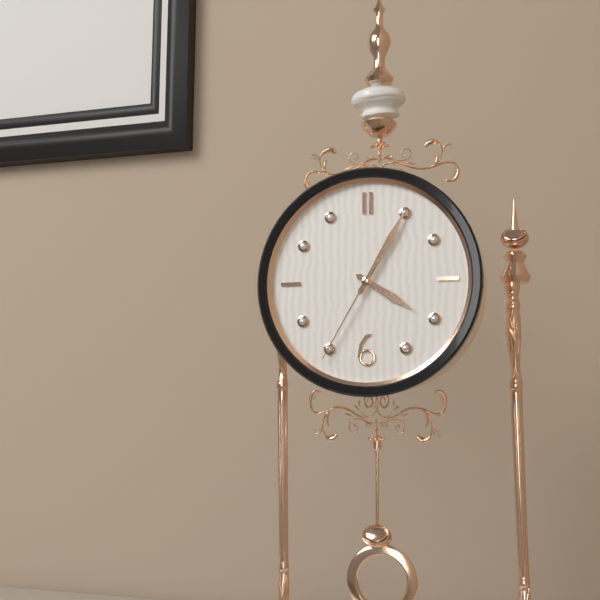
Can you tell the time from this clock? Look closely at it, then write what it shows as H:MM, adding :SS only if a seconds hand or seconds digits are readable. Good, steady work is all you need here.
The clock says 4:05:35
